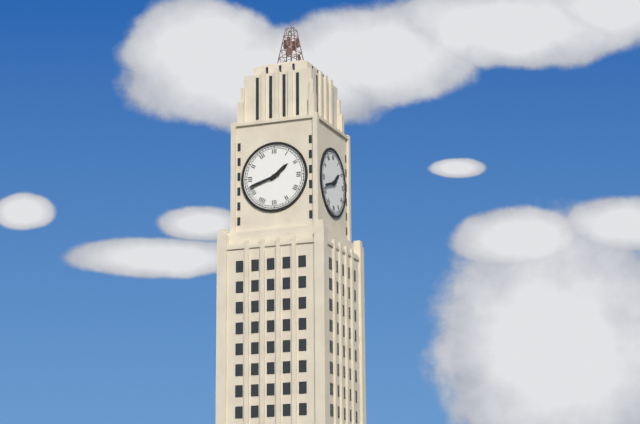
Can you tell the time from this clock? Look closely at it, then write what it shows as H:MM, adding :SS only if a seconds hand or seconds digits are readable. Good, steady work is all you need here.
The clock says 1:42
